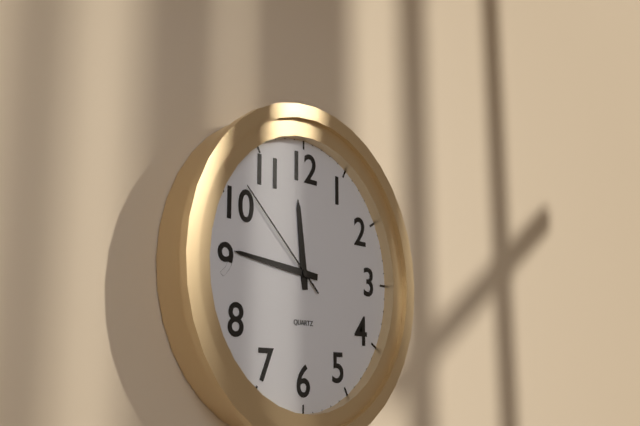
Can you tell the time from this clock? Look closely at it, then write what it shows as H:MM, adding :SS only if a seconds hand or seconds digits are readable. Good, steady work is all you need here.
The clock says 11:46:52
